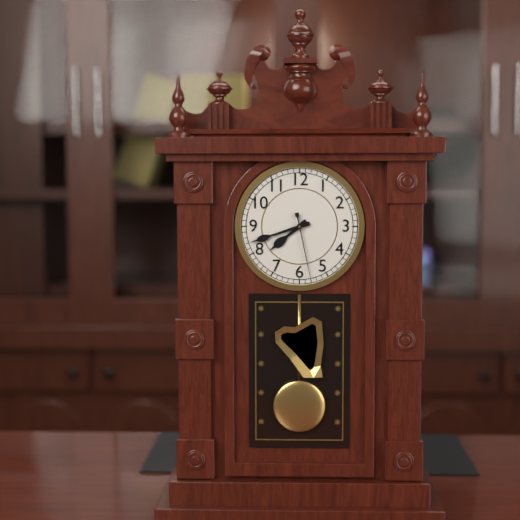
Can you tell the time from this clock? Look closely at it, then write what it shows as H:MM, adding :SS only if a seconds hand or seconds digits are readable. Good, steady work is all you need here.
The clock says 7:42:28
